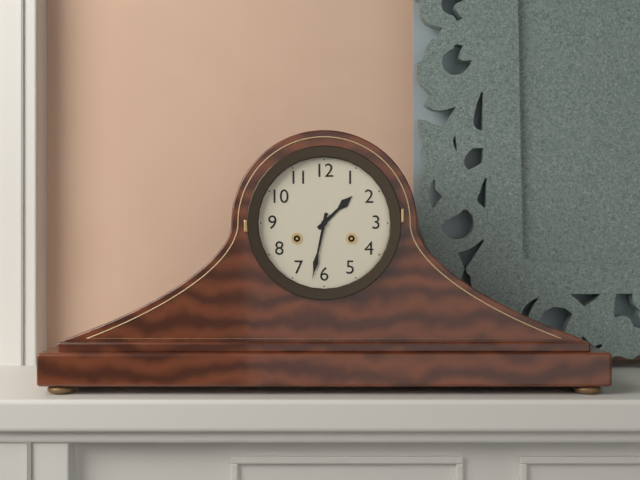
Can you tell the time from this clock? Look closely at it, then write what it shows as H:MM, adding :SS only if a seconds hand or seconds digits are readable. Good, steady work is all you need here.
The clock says 1:32
